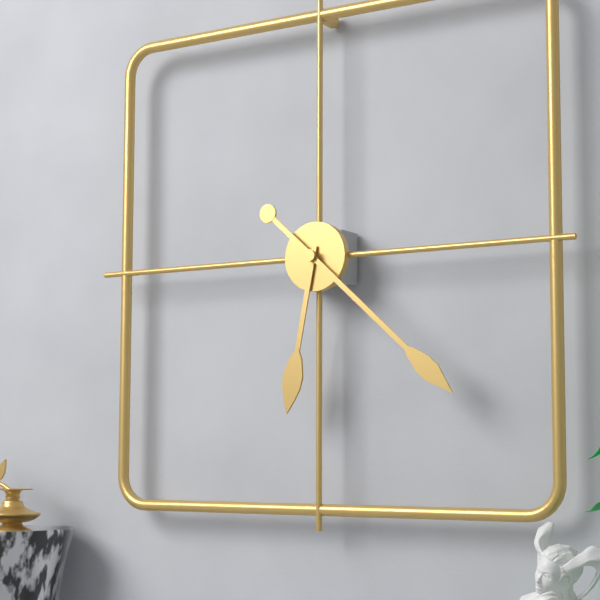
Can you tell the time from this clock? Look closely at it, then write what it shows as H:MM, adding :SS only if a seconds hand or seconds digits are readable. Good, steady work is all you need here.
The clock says 6:22
